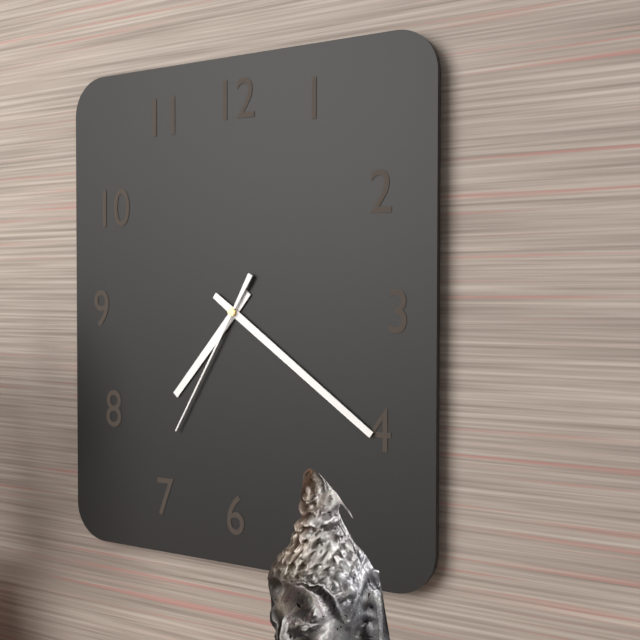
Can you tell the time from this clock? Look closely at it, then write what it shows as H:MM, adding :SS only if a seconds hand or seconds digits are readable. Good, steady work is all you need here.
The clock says 7:21:35
